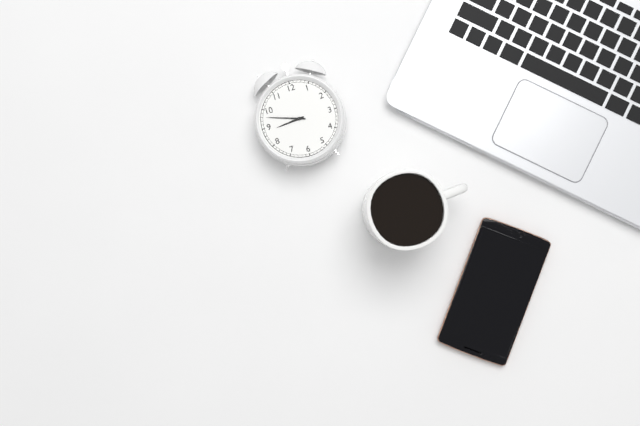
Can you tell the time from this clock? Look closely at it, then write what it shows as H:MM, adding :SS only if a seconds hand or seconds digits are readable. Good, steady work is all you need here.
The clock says 8:48
